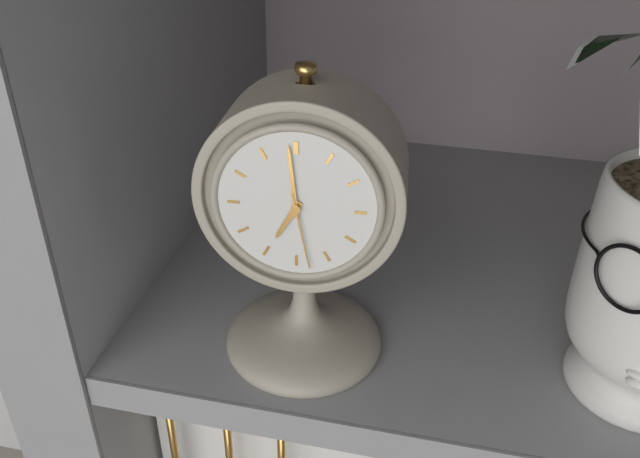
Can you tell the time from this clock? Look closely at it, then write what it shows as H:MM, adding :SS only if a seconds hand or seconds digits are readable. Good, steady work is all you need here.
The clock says 6:59:28
